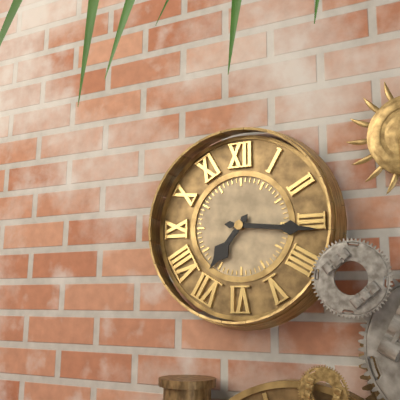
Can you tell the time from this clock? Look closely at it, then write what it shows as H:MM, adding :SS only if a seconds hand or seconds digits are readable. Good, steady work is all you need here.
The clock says 7:16
